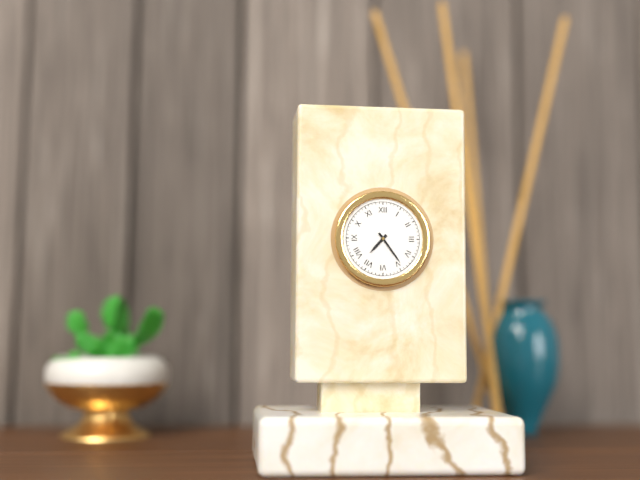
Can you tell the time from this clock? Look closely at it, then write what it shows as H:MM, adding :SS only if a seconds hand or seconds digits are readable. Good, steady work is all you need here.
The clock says 7:24
